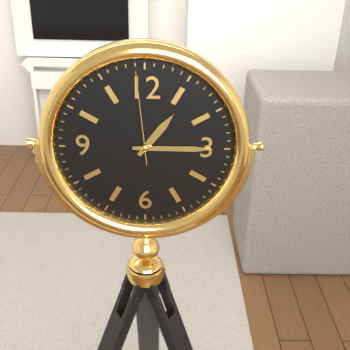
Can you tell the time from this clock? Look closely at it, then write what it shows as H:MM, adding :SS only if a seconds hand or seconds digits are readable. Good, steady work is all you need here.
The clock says 1:15:59
